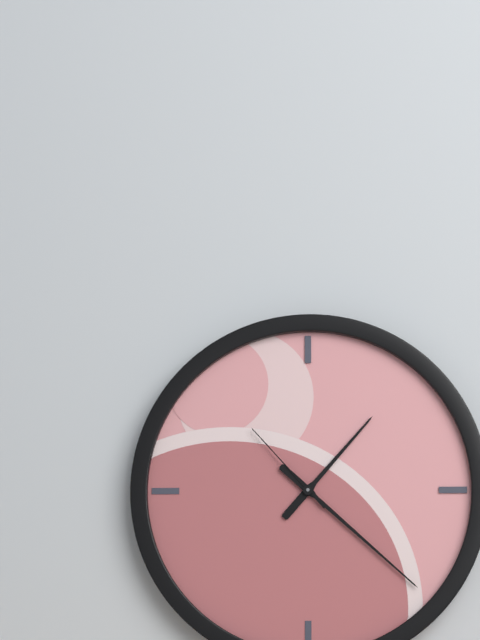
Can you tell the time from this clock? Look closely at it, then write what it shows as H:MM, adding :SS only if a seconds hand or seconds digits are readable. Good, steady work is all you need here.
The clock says 1:22:53
